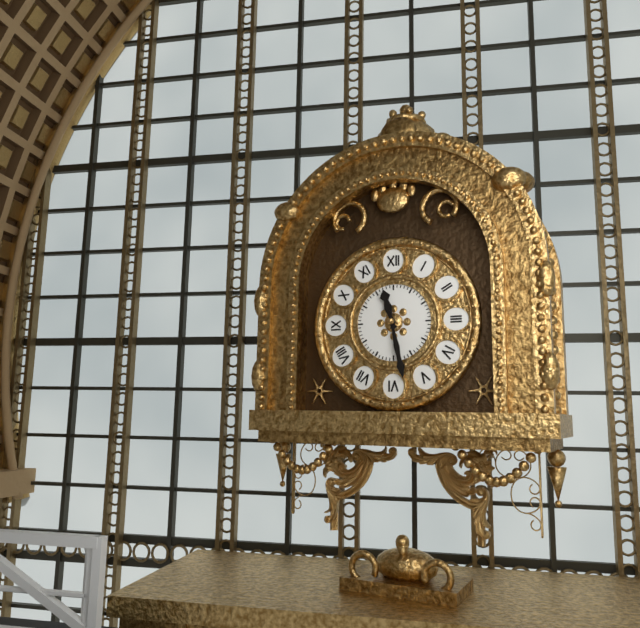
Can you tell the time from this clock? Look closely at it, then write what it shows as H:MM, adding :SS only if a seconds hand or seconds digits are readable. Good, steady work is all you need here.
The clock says 11:28
